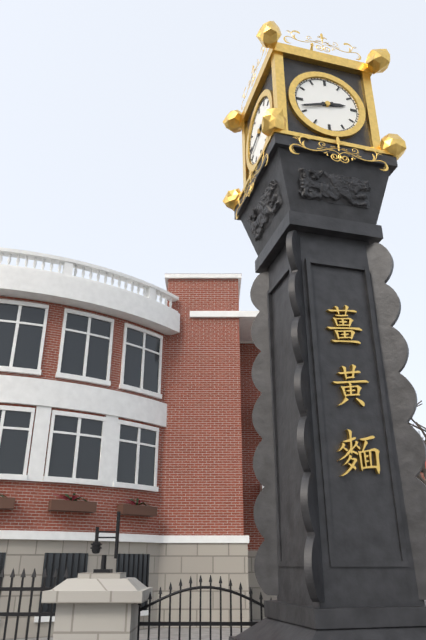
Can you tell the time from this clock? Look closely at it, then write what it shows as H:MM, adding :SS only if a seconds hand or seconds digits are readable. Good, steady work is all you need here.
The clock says 2:42
